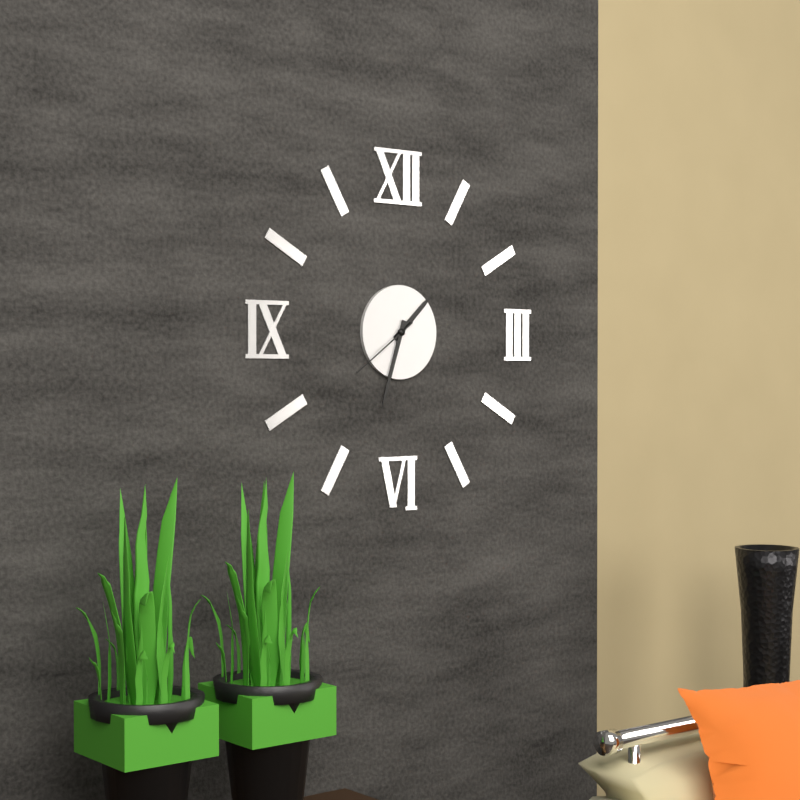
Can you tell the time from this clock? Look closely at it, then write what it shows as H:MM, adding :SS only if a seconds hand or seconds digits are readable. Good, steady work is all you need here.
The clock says 1:33:39
